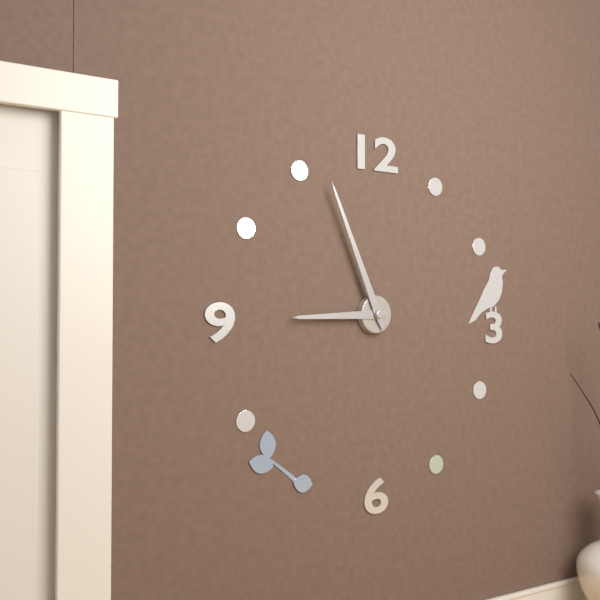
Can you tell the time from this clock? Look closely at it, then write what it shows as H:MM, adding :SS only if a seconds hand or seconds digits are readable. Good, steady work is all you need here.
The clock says 8:56
